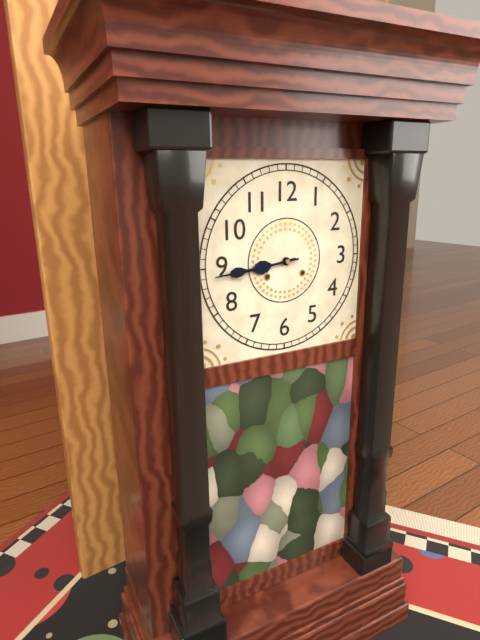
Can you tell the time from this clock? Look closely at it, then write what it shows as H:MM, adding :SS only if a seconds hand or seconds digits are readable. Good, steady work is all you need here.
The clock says 8:44
